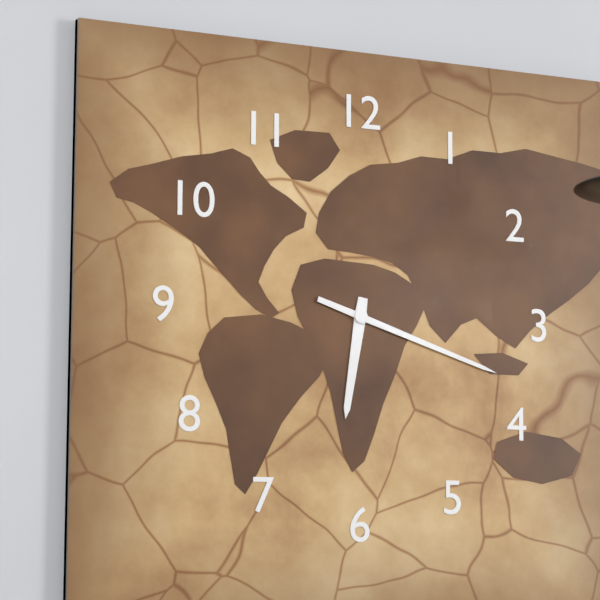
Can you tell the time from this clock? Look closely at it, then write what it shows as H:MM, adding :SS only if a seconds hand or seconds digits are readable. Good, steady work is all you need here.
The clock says 6:18
